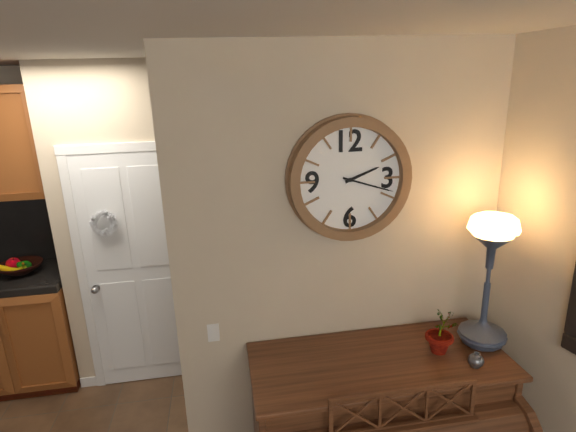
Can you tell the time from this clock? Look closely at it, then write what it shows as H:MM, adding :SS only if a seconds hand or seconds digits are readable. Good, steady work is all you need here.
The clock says 2:18
